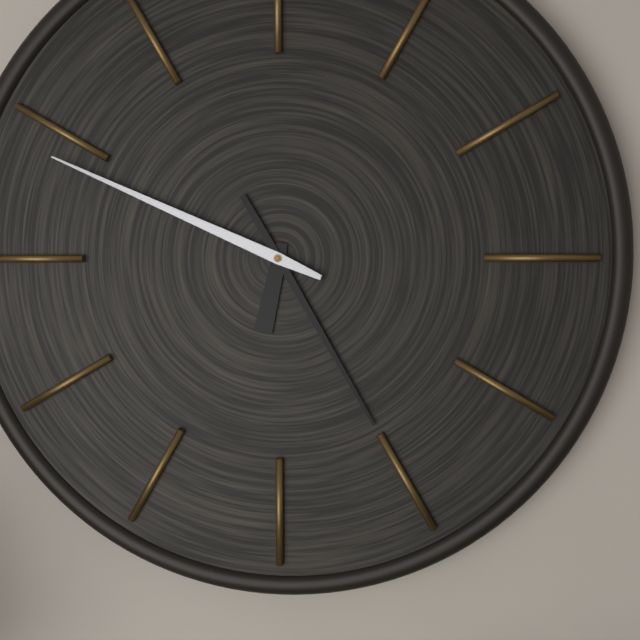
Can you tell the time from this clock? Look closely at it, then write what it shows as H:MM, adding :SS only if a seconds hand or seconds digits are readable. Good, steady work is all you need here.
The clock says 6:25:49
